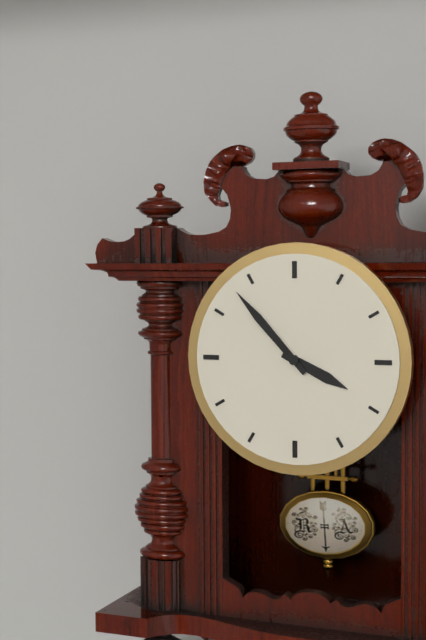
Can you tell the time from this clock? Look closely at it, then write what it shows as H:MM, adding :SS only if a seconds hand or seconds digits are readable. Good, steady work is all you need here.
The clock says 3:53
